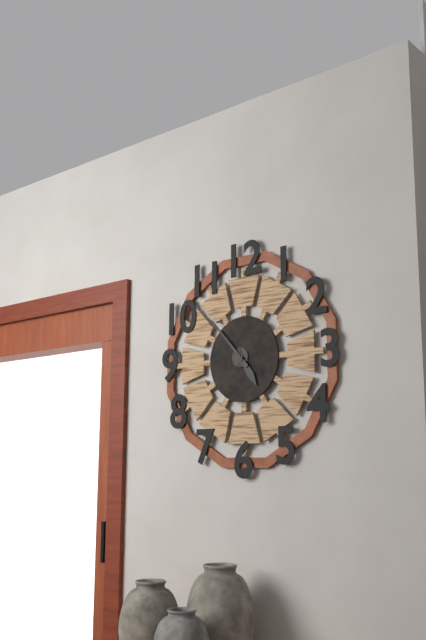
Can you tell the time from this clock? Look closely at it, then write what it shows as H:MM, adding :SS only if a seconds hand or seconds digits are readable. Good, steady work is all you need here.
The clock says 4:53
